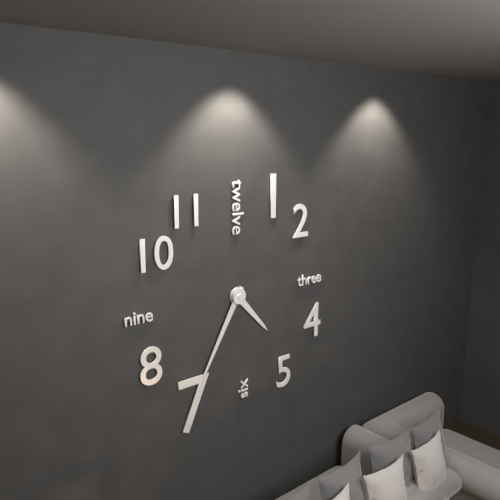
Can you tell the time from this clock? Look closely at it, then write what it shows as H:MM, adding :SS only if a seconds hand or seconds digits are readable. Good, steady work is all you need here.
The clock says 4:35
